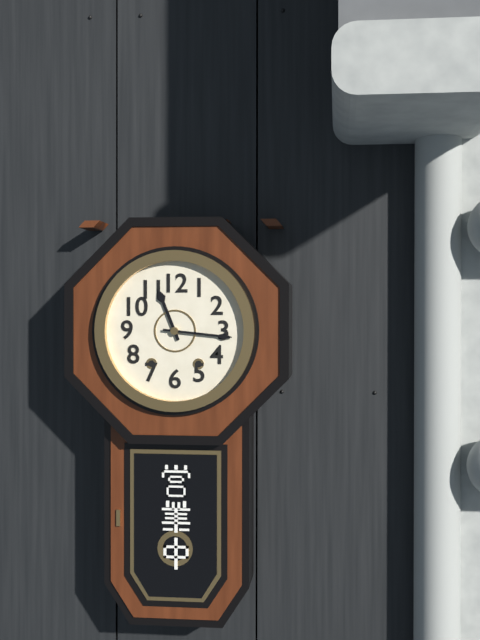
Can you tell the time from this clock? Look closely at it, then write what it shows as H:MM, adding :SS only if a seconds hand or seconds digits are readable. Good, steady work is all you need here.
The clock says 11:16
